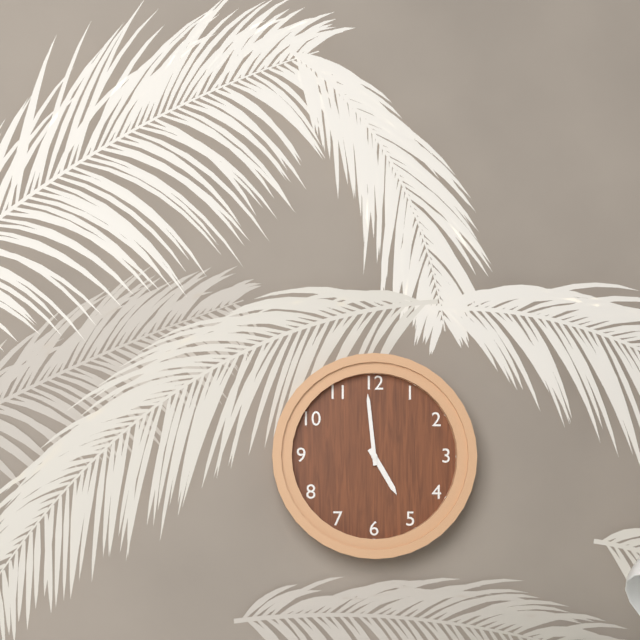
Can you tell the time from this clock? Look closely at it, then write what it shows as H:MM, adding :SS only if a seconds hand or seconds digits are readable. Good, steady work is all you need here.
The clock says 4:59
